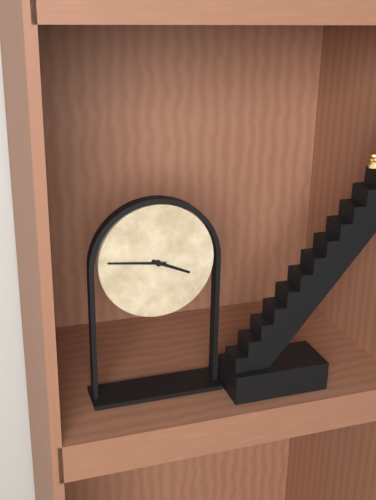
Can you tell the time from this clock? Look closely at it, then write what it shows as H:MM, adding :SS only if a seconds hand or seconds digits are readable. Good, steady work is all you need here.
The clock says 3:46
